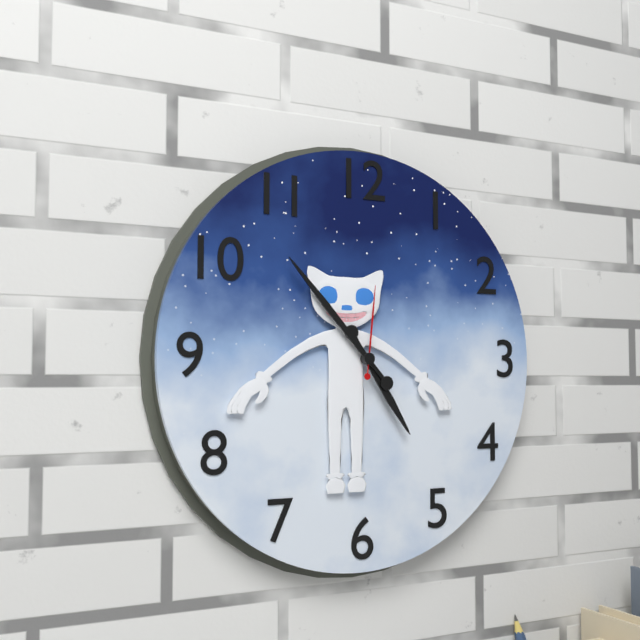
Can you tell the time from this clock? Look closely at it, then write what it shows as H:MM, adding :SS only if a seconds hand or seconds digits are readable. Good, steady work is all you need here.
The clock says 4:53:01
